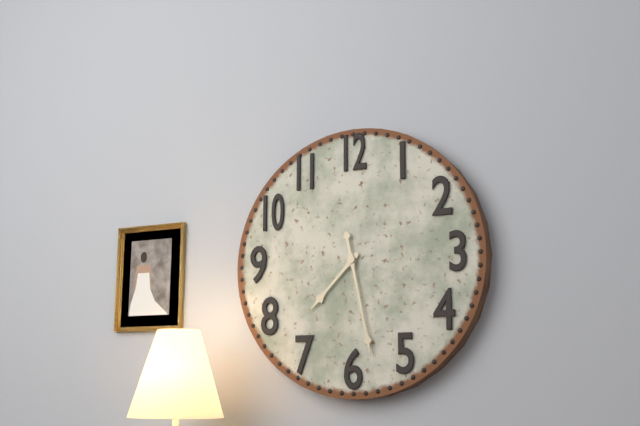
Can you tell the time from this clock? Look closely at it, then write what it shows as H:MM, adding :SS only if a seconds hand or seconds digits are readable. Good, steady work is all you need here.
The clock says 7:28
